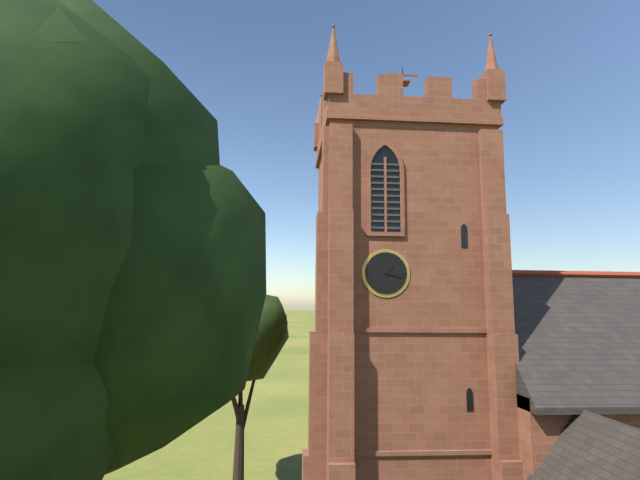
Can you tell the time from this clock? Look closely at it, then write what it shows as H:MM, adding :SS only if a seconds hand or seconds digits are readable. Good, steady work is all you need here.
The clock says 1:17
